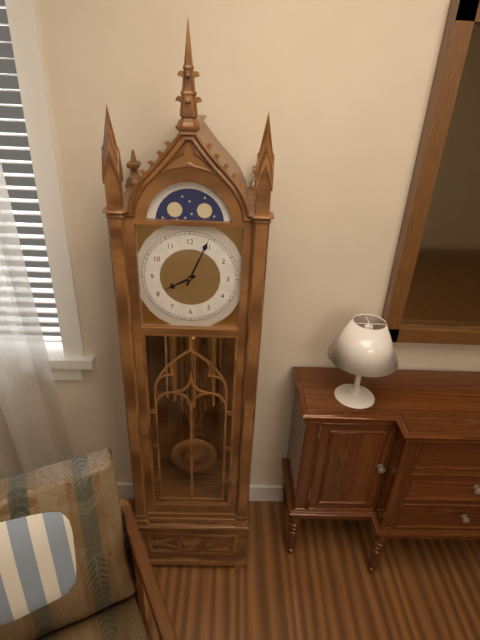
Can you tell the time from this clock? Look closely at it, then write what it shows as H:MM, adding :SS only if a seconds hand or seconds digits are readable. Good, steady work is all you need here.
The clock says 8:04
